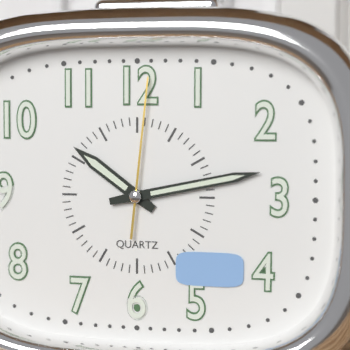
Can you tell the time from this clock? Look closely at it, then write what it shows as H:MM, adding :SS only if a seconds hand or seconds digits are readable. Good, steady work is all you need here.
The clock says 10:13:01
